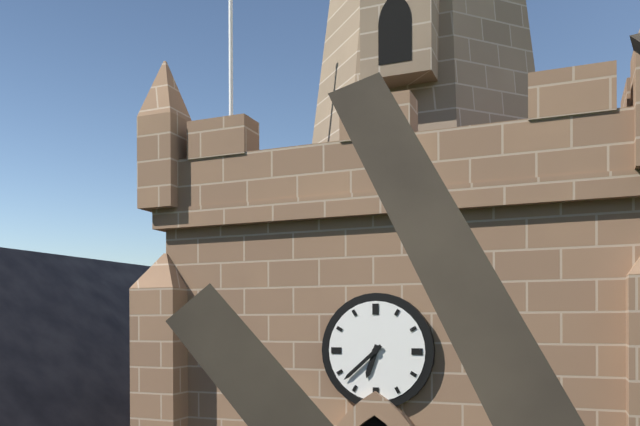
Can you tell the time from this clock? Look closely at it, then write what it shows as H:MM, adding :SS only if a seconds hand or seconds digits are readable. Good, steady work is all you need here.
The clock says 6:38
